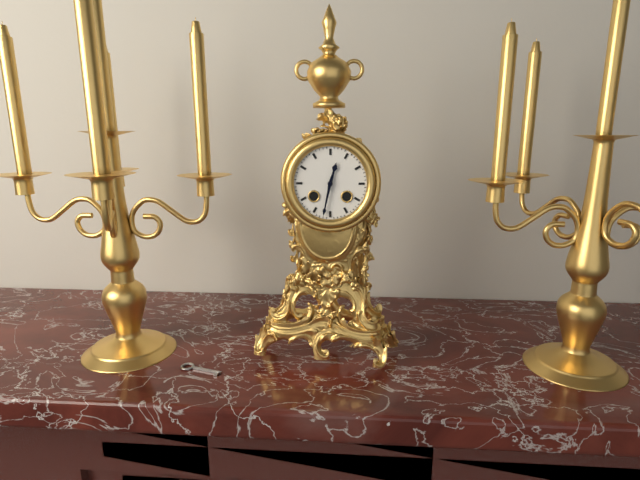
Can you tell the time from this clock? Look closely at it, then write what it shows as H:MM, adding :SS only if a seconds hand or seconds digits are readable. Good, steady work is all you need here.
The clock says 12:32
